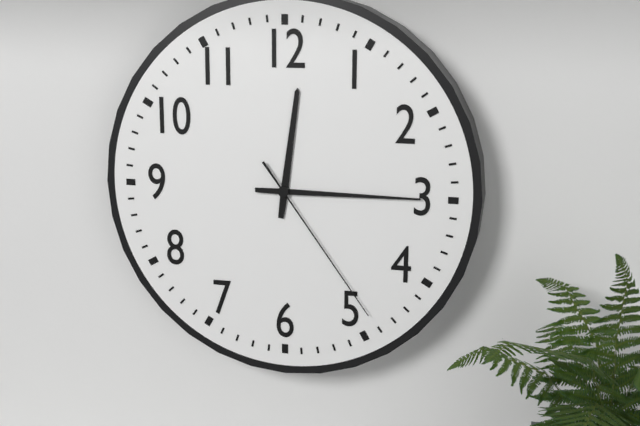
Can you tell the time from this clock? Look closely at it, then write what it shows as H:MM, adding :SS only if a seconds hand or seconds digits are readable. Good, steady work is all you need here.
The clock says 12:15:24
